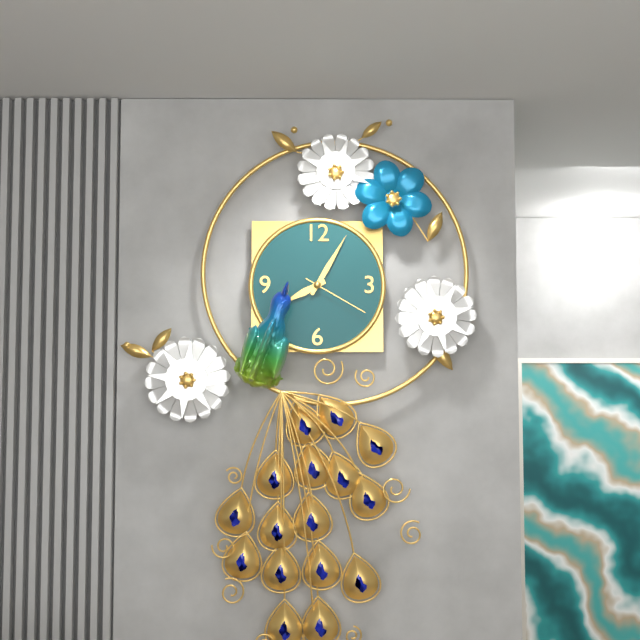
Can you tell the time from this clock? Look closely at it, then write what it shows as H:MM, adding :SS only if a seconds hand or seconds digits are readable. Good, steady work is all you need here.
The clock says 8:05:20
